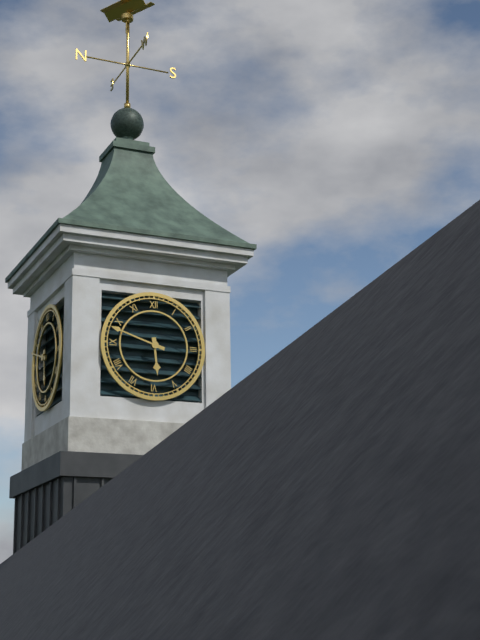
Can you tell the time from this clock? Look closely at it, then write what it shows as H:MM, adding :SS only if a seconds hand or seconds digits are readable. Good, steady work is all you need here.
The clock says 5:48
